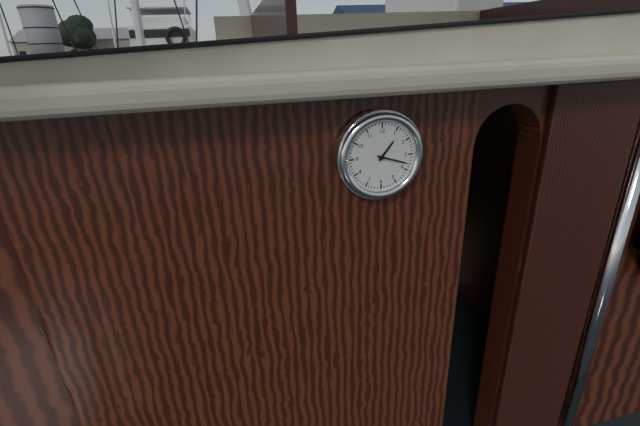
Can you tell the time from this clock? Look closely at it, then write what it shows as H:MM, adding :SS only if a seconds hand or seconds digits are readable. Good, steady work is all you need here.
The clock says 1:18
